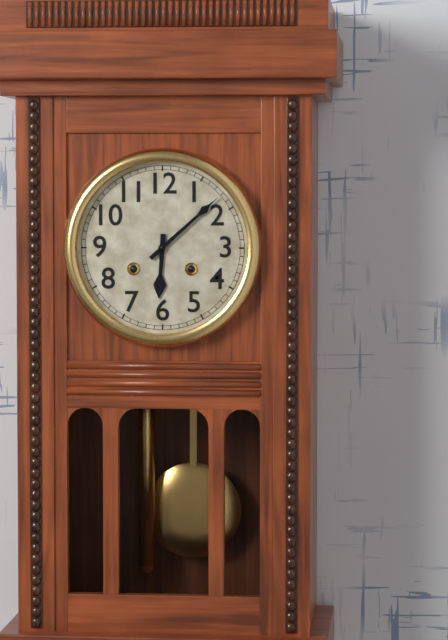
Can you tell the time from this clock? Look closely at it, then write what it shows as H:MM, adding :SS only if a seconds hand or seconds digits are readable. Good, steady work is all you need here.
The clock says 6:08
